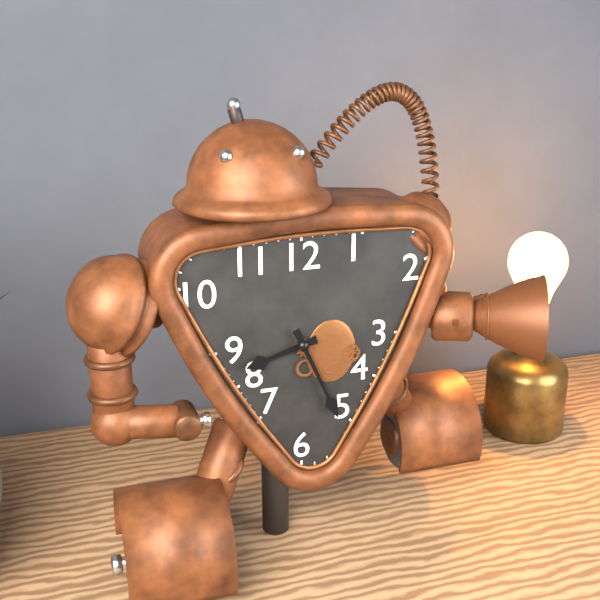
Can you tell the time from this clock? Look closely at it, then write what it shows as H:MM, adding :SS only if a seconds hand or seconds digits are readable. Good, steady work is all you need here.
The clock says 8:26
